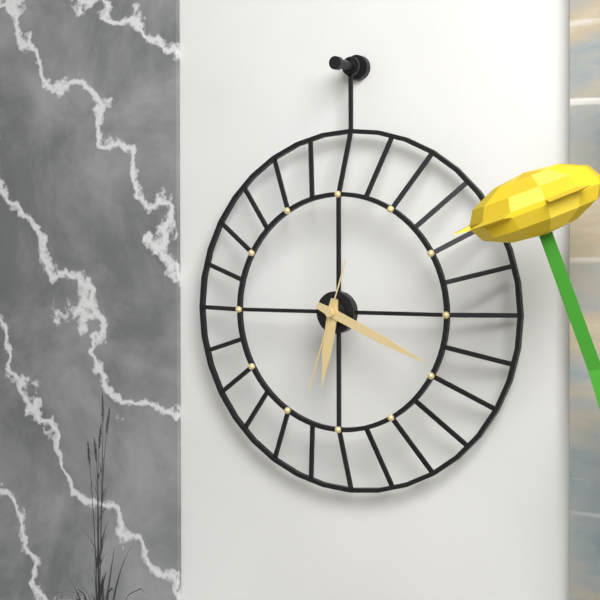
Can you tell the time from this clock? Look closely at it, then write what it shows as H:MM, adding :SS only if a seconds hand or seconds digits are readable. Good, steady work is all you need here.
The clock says 6:19:33
